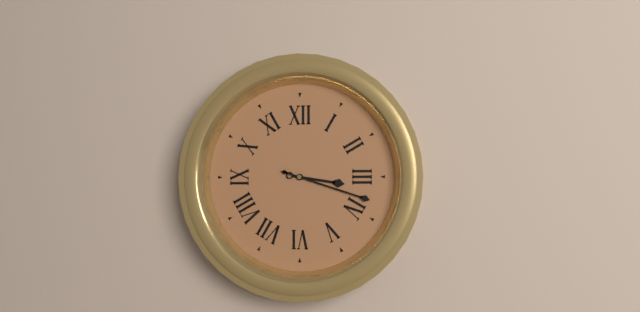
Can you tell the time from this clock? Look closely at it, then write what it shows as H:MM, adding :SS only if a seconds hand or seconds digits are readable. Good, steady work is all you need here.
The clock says 3:18
